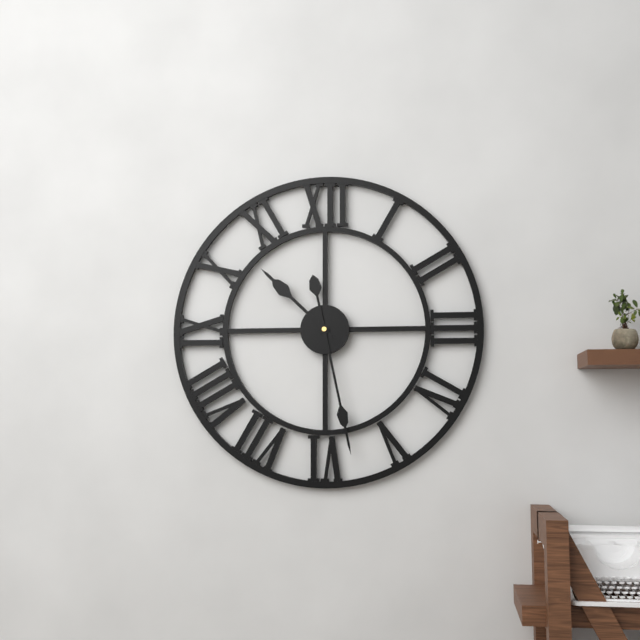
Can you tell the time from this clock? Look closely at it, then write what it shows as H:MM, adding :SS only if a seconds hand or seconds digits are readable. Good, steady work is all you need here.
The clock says 10:28
